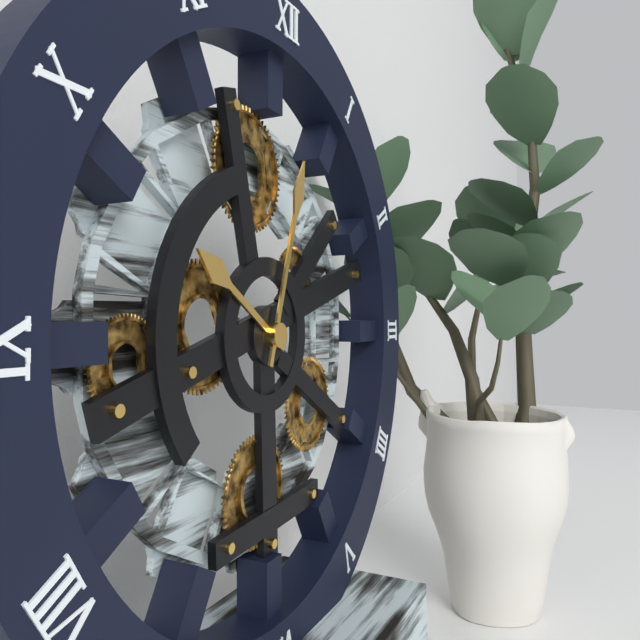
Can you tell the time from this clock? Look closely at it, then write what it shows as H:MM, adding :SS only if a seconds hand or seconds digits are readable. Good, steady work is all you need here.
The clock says 10:03
